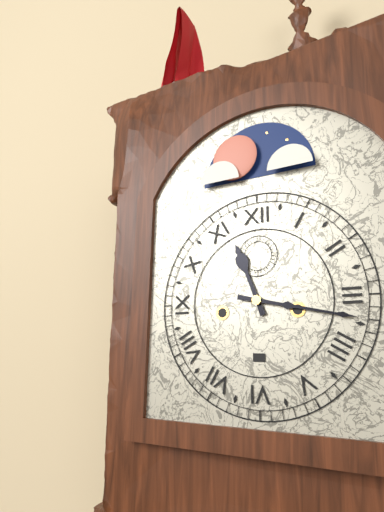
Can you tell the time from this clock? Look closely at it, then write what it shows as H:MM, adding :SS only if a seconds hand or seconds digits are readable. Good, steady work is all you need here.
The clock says 11:17
